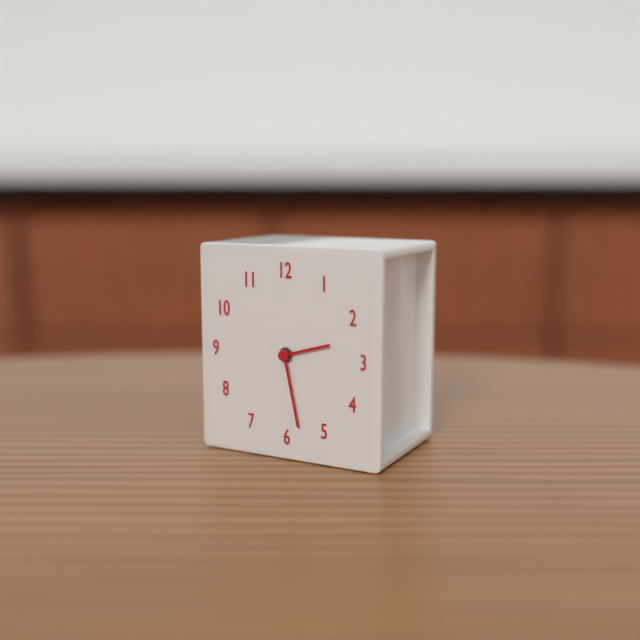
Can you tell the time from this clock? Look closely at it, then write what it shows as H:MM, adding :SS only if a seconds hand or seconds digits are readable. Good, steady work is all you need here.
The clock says 2:28
